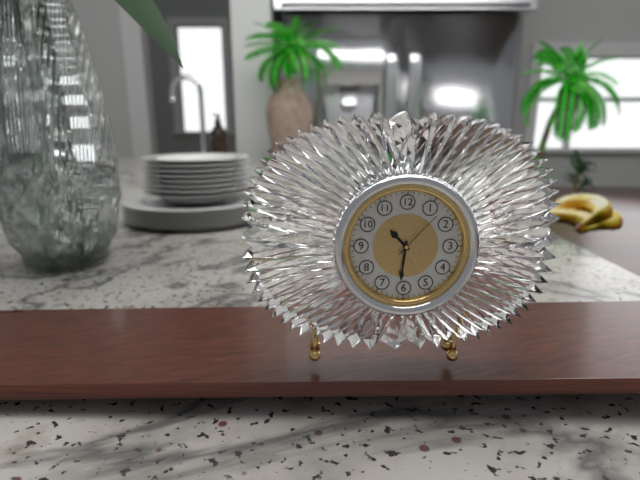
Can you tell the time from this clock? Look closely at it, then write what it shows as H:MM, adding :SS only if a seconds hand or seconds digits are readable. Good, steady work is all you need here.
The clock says 10:31:07
